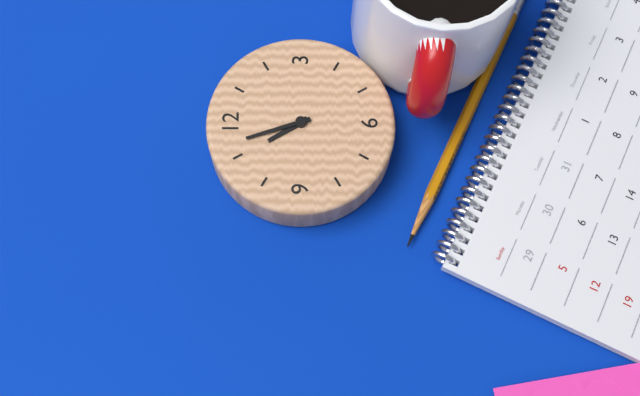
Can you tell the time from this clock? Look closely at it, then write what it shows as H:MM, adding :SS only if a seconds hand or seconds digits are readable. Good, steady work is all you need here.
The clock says 10:57
